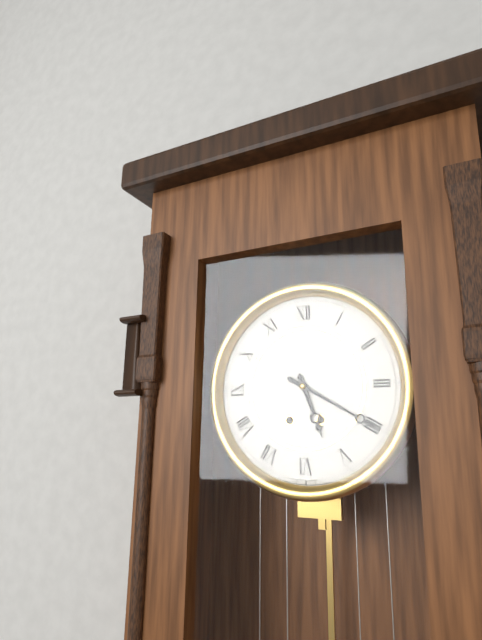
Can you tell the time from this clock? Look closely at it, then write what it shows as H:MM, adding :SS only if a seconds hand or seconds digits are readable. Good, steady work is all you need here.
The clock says 5:20
